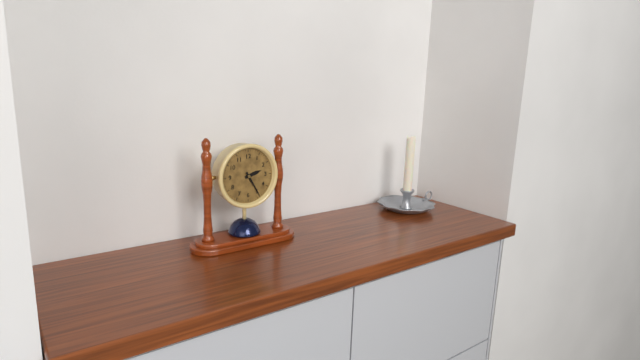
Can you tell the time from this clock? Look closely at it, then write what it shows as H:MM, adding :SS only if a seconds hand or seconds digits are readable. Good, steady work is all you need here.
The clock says 2:25
